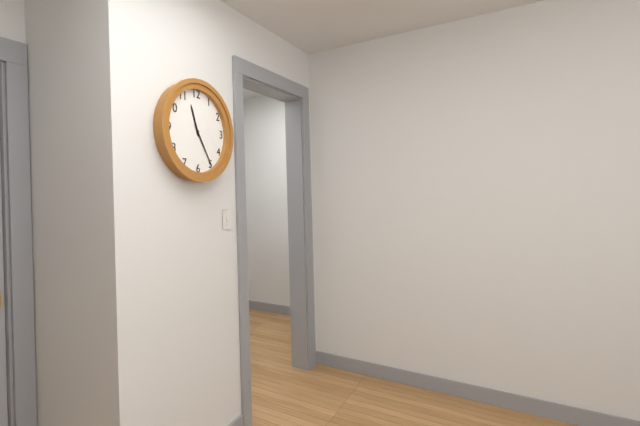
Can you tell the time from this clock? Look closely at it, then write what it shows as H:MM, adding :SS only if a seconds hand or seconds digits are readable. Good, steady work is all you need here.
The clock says 11:25
